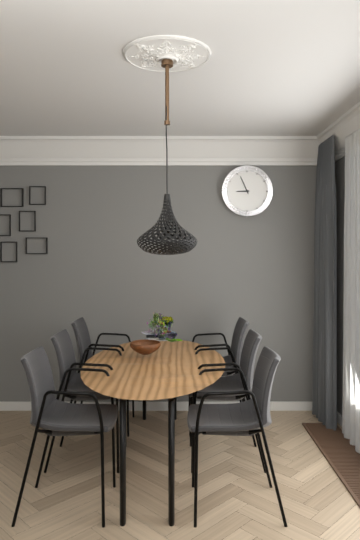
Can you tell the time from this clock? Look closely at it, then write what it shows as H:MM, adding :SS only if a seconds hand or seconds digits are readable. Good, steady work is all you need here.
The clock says 8:56
